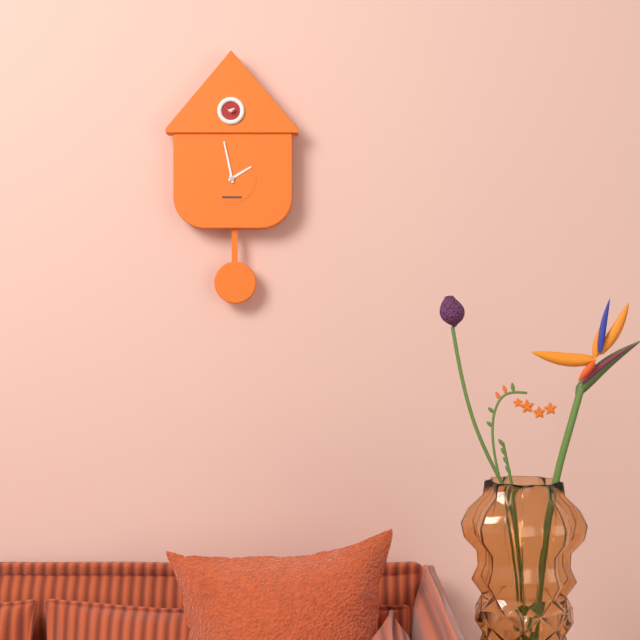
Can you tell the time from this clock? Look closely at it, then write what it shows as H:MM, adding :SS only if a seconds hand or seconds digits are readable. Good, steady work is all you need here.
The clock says 1:58
